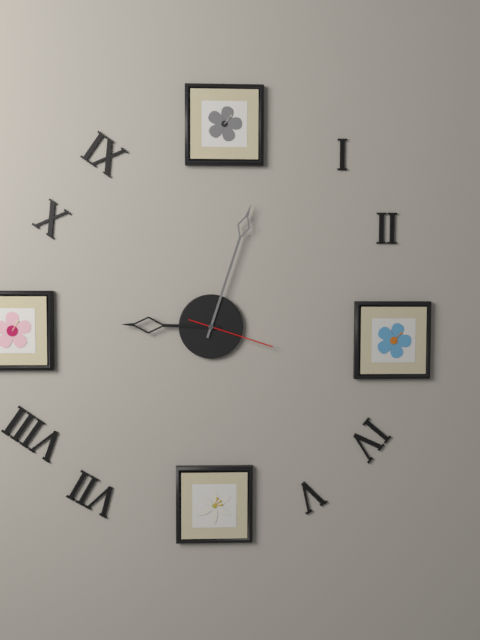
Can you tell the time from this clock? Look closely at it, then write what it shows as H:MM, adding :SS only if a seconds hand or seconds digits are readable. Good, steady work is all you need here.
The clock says 9:03:18
